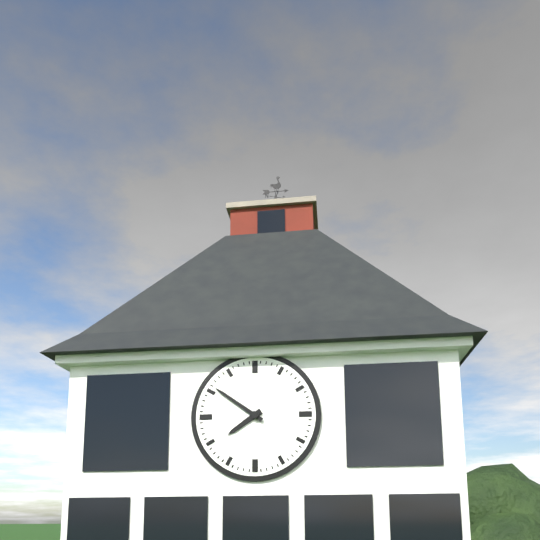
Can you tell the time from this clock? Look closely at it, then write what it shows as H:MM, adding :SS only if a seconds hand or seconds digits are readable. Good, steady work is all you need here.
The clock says 7:51
